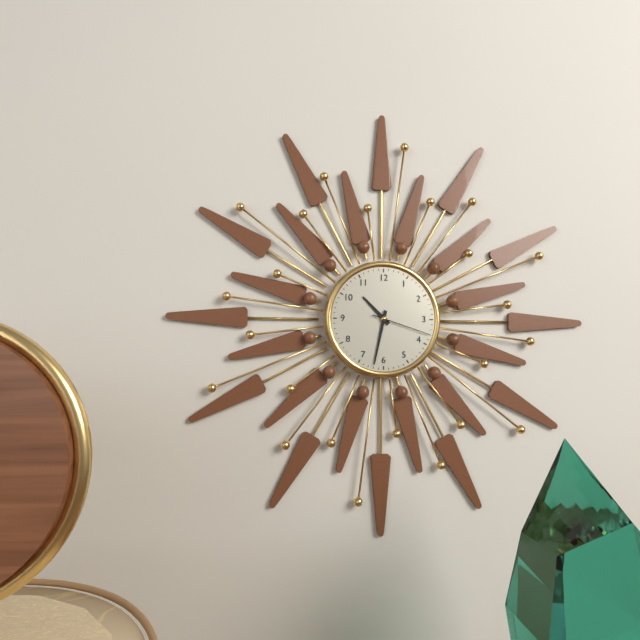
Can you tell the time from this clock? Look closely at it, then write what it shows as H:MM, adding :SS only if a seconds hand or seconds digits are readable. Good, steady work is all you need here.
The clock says 10:32:18
